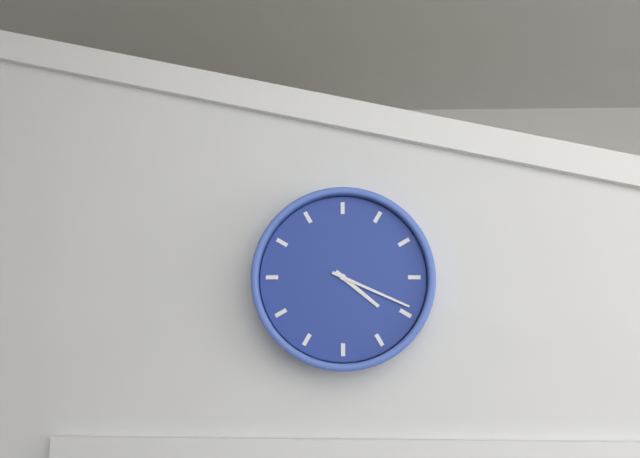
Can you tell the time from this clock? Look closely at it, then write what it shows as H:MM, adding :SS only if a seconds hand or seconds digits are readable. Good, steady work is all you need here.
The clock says 4:19
